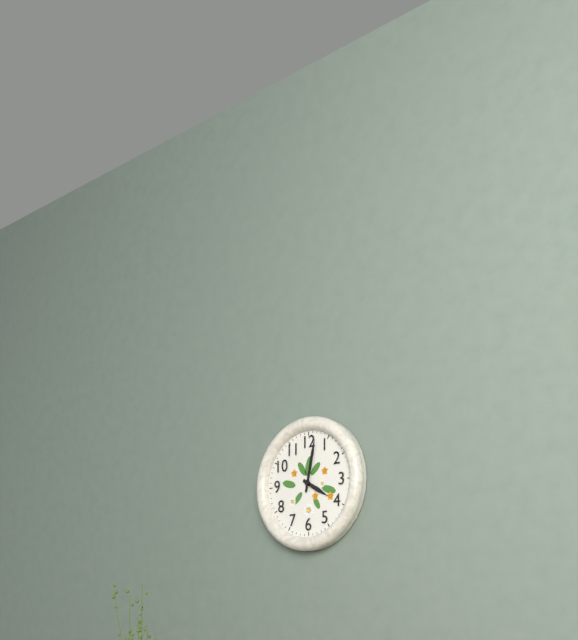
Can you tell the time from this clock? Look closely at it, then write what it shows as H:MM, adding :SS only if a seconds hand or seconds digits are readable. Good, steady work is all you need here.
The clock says 4:02
